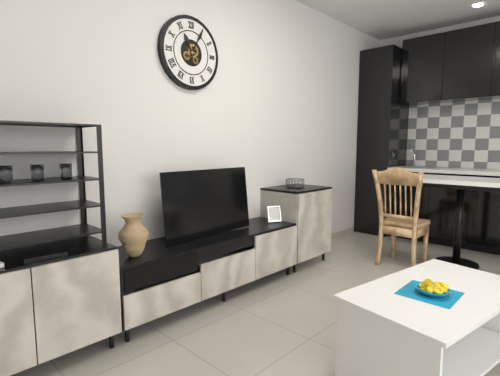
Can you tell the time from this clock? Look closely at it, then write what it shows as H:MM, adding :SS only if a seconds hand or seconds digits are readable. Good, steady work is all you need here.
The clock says 11:05
